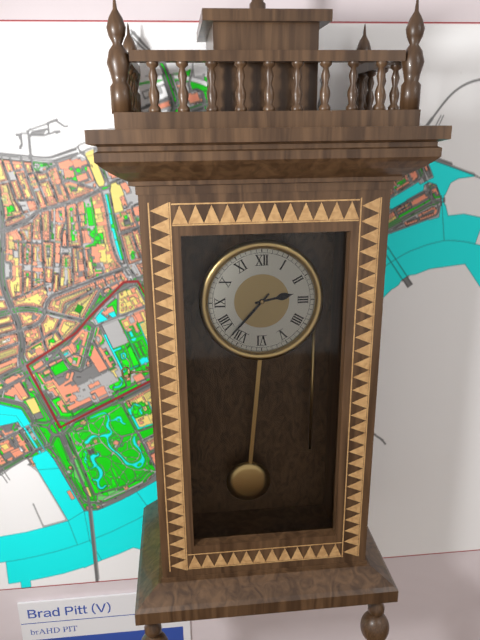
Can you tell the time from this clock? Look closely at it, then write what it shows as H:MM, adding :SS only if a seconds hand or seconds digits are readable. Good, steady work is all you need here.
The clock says 2:37
